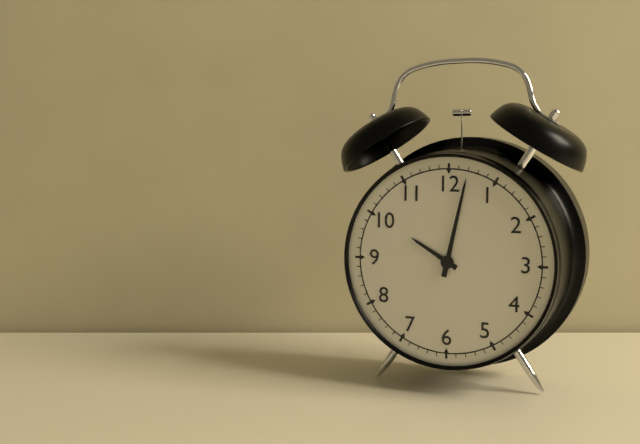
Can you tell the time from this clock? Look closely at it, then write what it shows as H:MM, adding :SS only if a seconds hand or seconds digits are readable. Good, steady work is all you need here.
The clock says 10:02
